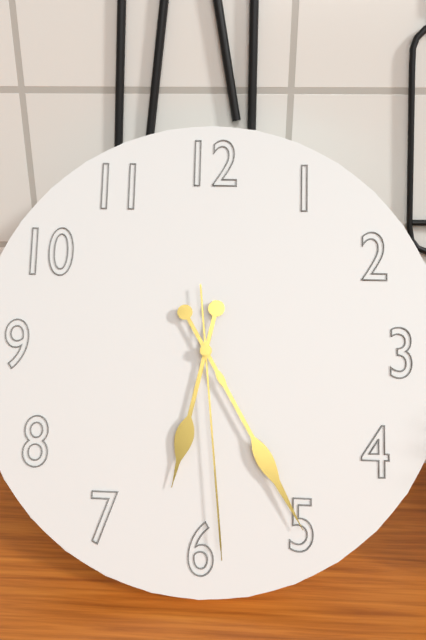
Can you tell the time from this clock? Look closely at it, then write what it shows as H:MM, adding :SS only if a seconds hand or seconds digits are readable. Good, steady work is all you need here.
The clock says 6:25:29
